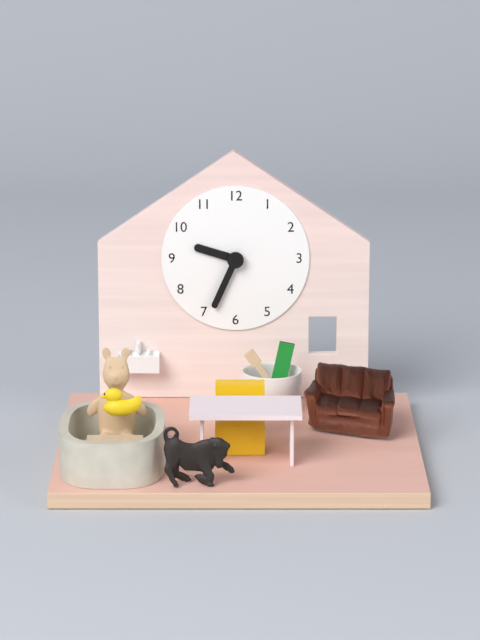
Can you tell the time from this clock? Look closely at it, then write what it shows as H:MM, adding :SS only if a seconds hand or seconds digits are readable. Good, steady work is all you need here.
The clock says 9:34
